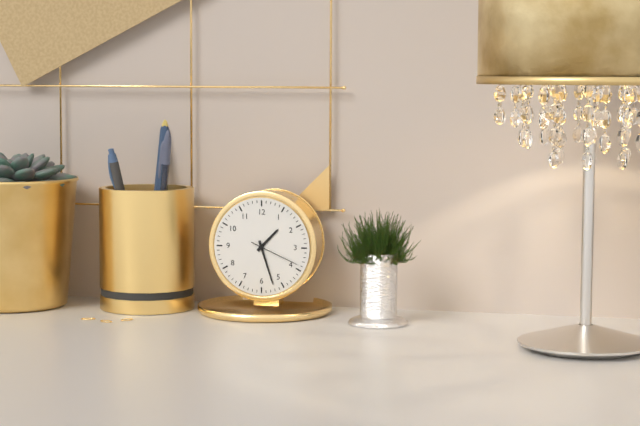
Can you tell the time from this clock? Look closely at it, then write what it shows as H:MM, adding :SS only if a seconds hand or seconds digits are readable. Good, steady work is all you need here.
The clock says 1:27:19
